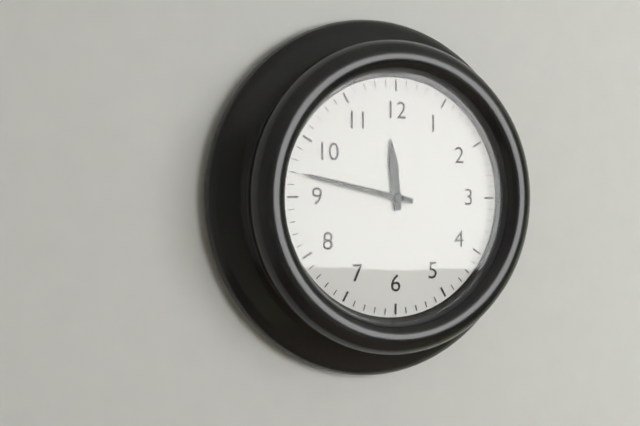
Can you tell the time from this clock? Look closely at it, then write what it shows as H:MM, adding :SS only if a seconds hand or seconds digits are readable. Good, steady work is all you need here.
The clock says 11:47
